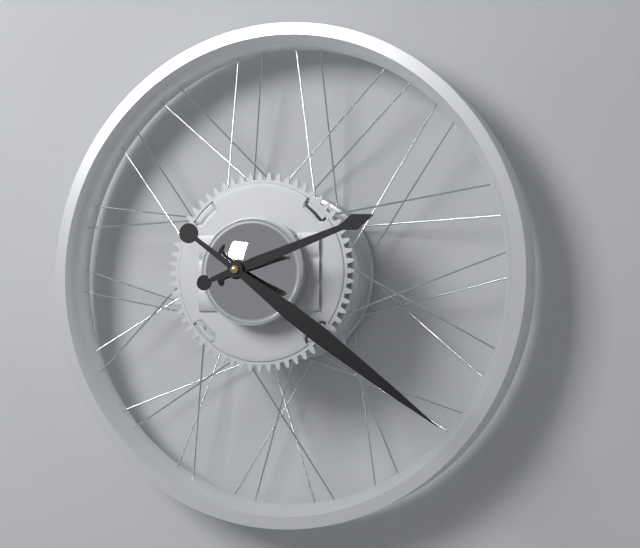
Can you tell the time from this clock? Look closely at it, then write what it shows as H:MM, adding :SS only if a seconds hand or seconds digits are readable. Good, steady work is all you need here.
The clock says 2:21
